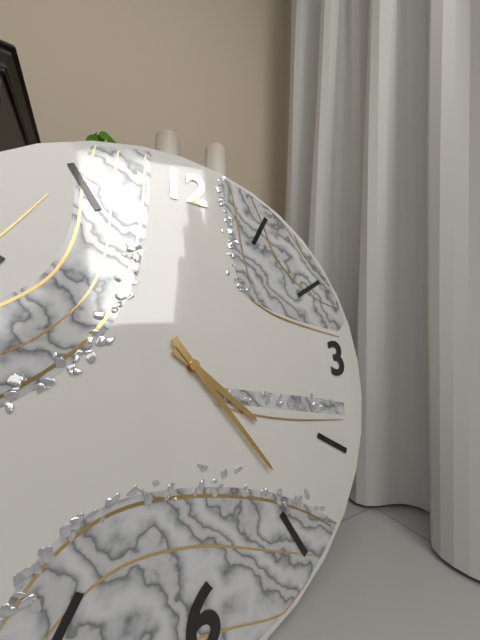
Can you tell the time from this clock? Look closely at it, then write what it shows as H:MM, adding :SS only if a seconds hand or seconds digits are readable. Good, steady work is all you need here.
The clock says 4:24
